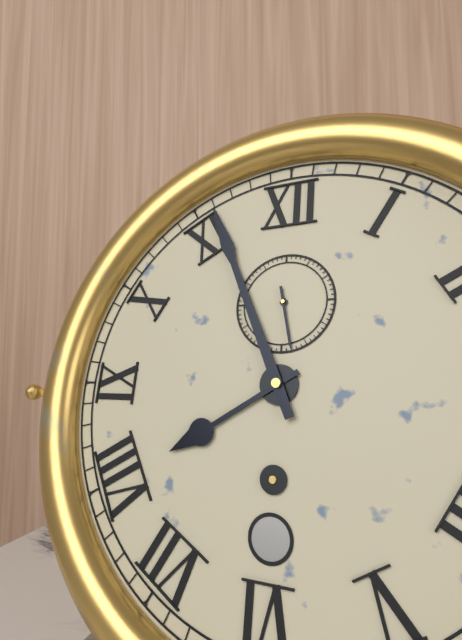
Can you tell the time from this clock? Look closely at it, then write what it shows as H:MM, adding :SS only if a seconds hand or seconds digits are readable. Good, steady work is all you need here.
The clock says 7:56:28
